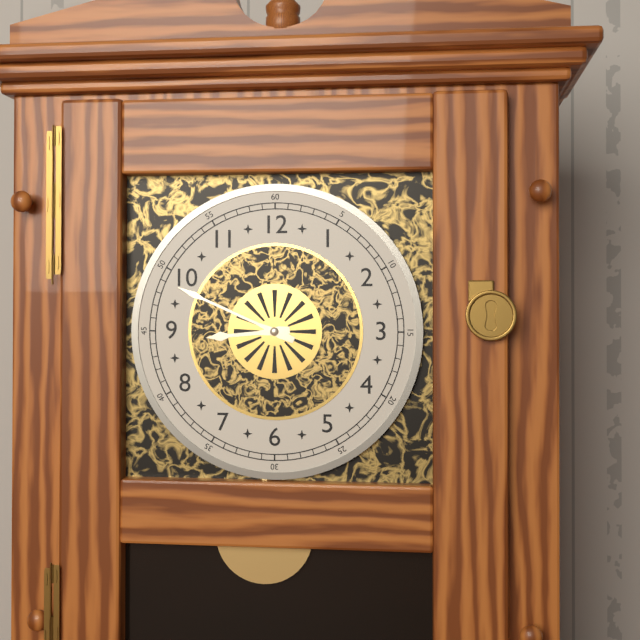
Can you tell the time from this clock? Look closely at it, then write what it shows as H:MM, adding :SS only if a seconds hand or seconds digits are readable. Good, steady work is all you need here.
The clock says 8:49
